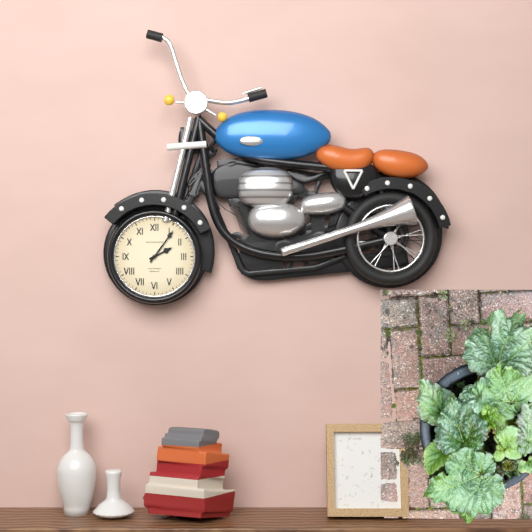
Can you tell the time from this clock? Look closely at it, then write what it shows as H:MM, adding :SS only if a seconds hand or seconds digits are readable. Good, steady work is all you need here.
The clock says 2:06
